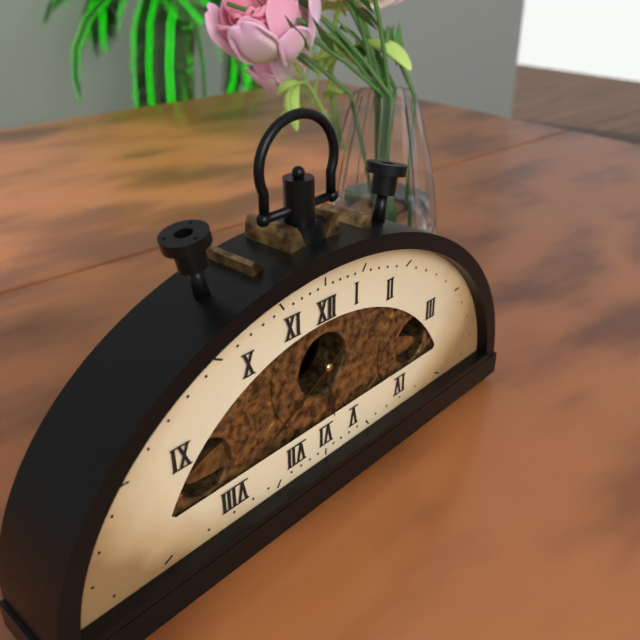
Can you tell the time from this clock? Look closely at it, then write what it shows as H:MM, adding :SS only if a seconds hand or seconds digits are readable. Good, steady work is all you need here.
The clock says 5:40
